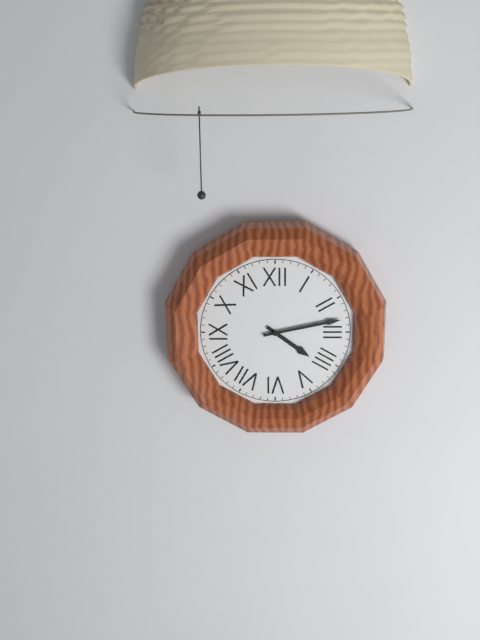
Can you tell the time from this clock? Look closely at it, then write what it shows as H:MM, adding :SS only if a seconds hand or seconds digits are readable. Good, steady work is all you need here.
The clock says 4:13
